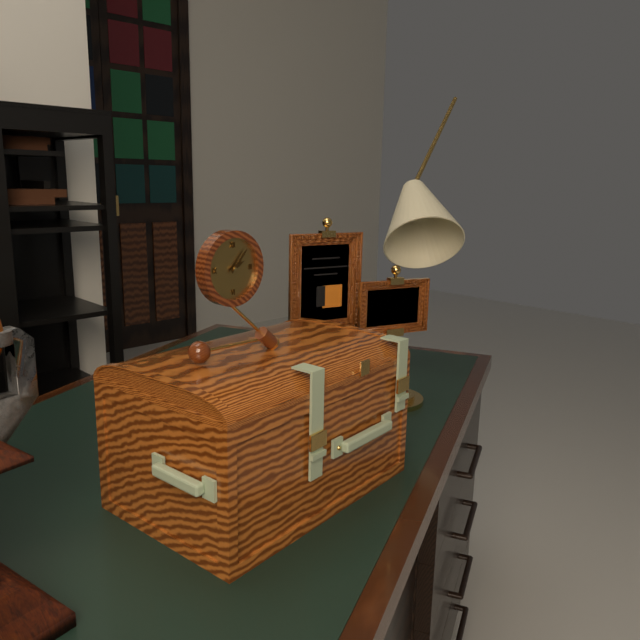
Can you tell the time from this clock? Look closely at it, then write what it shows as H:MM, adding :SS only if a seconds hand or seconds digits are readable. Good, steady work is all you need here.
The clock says 2:07
